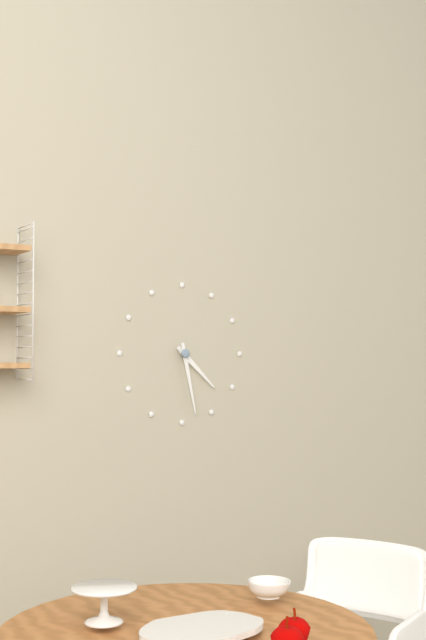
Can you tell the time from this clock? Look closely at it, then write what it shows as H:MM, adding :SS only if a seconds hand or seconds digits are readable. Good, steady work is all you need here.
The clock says 4:28
